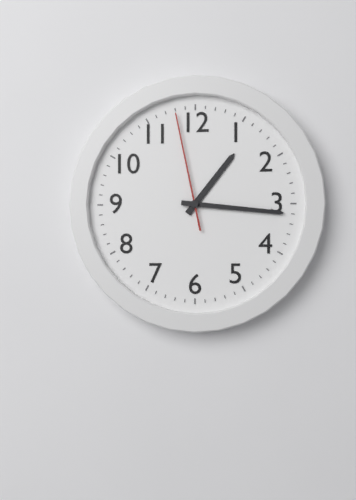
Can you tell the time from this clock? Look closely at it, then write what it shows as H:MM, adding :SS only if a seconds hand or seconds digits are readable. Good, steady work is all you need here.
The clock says 1:16:58
